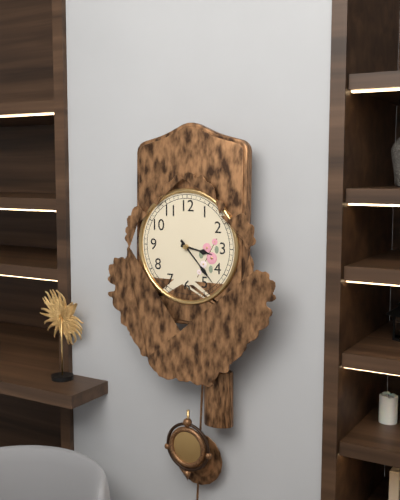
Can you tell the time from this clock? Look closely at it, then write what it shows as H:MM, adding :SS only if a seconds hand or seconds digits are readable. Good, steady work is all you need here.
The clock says 3:23
